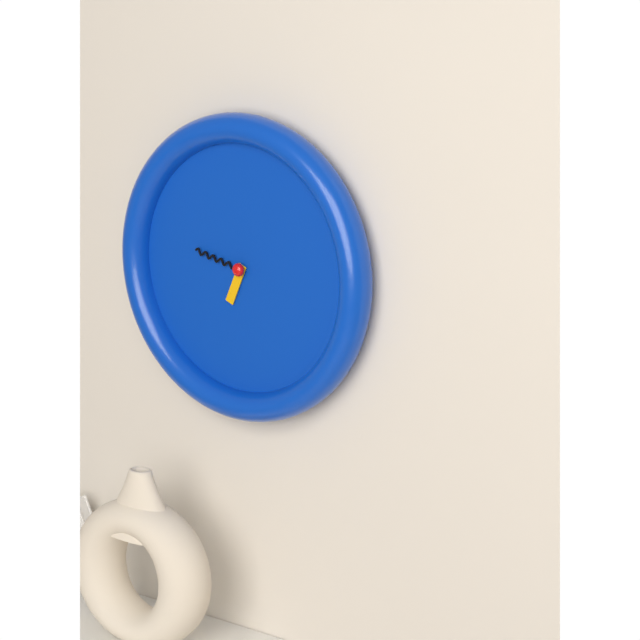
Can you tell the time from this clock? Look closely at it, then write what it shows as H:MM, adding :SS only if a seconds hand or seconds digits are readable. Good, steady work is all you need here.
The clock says 6:47
